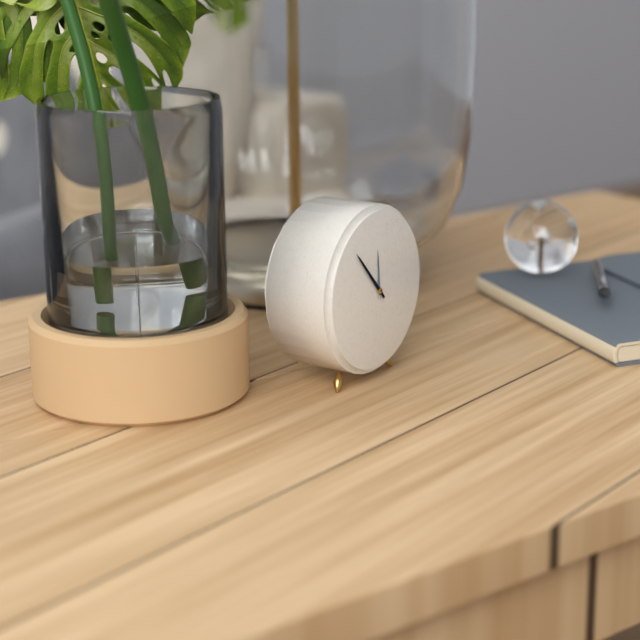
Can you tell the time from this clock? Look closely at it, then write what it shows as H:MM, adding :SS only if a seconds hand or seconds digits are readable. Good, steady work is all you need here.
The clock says 11:53
